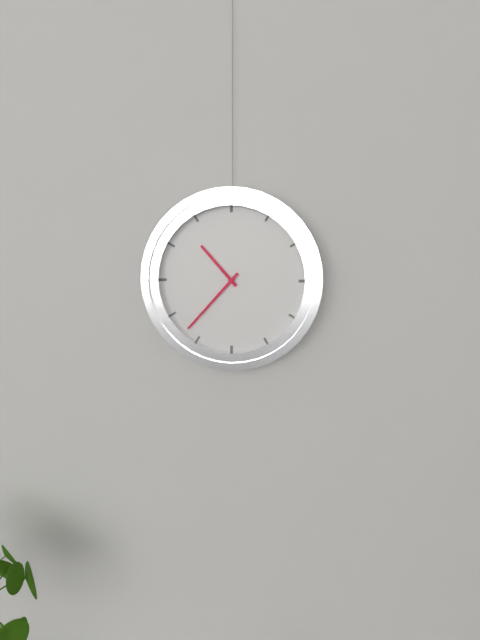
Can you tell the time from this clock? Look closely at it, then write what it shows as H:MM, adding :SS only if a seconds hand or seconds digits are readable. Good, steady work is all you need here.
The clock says 10:37
